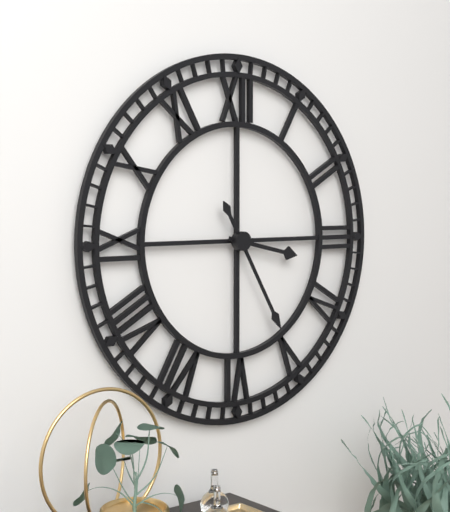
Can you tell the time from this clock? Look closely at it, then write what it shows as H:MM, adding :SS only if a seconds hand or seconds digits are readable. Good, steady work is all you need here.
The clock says 3:25
